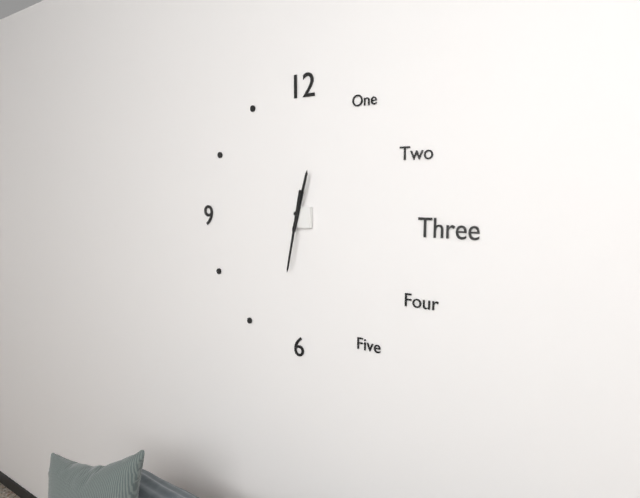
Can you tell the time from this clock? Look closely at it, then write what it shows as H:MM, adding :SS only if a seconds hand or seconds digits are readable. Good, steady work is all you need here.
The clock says 12:32
